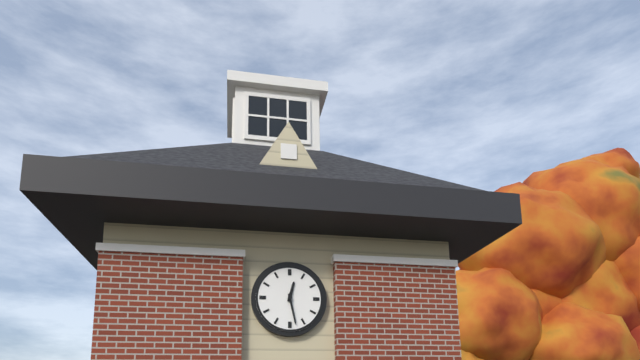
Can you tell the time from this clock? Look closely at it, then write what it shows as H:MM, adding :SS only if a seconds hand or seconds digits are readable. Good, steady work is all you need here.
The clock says 12:28
